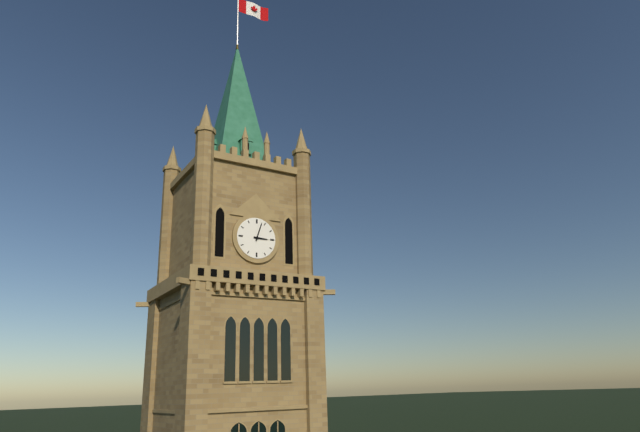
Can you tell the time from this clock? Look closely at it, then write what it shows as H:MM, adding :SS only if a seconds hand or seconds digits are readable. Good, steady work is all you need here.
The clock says 3:03
